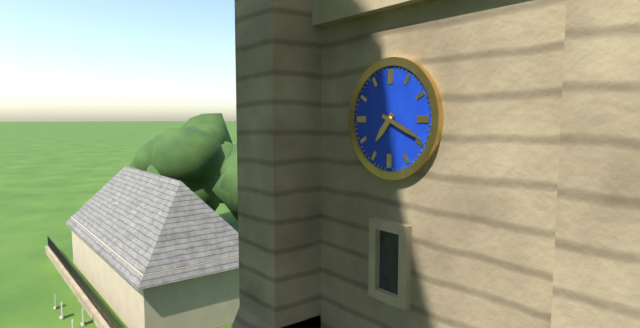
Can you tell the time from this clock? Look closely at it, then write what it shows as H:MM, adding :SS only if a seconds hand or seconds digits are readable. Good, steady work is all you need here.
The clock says 7:19
